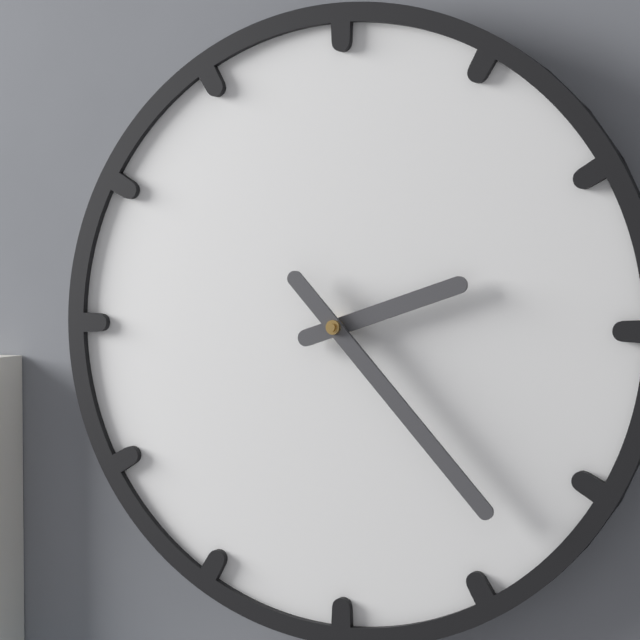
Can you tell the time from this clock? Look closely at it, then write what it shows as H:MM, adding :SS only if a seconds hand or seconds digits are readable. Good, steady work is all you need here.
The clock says 2:23
